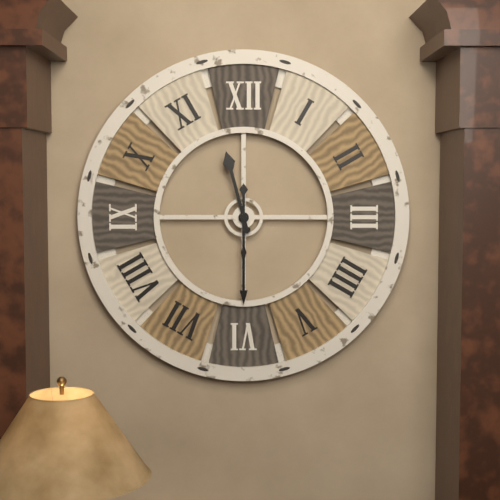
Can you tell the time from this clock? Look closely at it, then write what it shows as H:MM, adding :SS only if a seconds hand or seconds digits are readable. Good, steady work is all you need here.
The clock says 11:30
